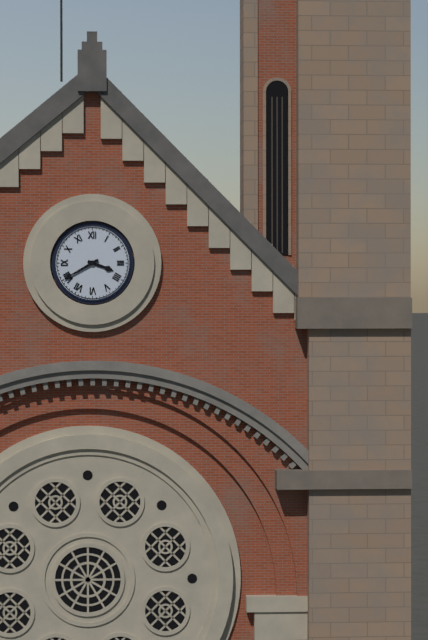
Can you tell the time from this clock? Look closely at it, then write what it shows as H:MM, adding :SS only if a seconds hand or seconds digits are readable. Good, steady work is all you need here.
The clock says 3:40
